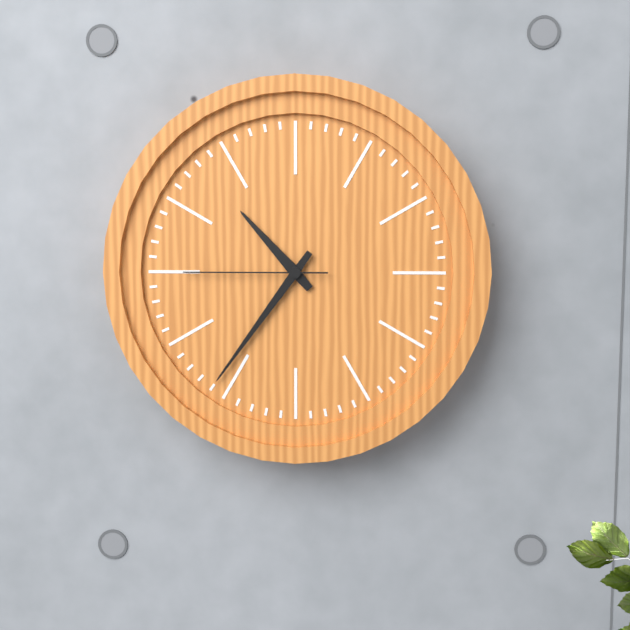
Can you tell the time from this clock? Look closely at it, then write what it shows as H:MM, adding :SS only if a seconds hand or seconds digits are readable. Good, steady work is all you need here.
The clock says 10:36:45
